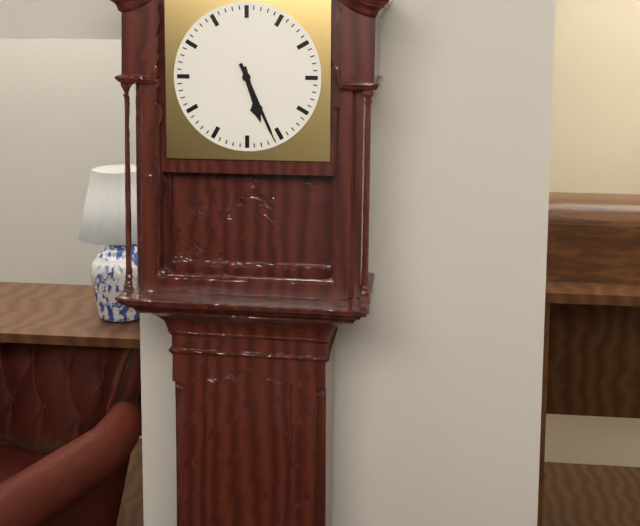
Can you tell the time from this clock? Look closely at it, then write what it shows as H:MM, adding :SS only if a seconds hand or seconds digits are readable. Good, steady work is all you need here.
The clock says 5:26
